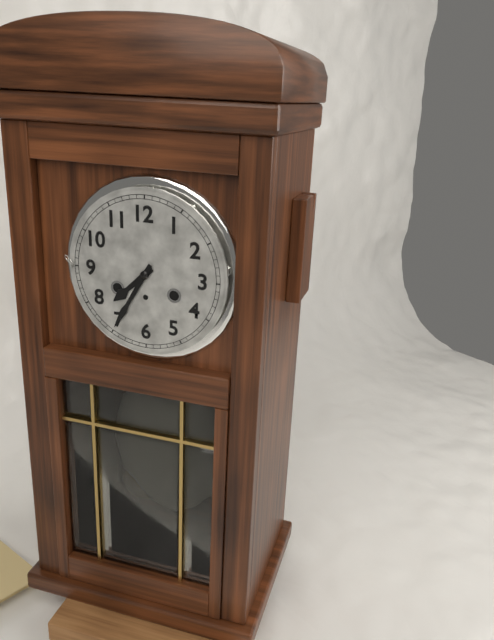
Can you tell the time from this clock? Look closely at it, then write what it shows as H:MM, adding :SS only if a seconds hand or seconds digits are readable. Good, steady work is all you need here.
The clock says 7:35
